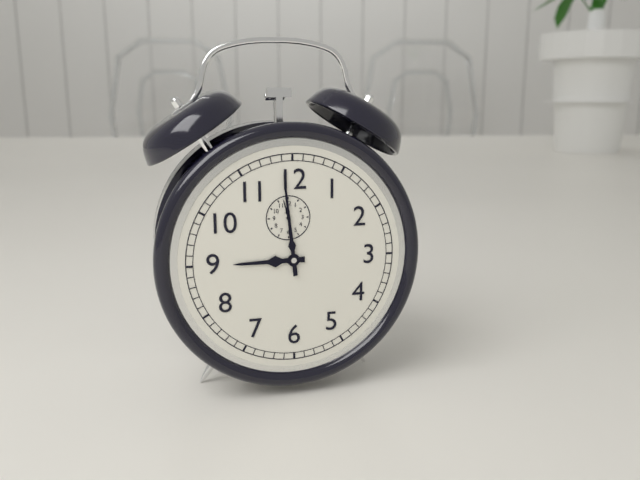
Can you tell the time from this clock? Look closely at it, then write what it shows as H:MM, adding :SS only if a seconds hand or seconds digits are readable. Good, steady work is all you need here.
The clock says 8:59
